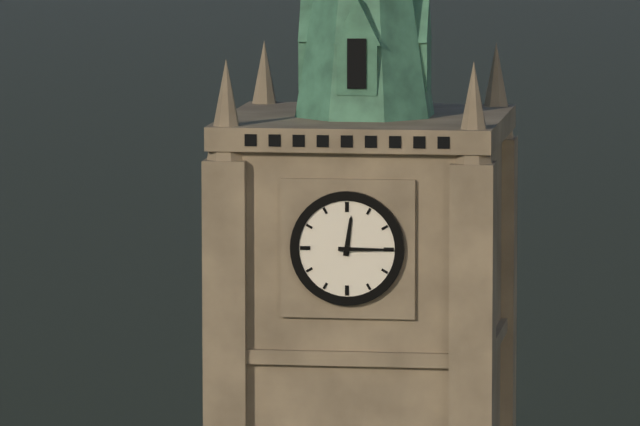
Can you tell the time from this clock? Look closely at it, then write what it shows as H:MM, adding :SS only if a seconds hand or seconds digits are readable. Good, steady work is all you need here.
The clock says 12:15
